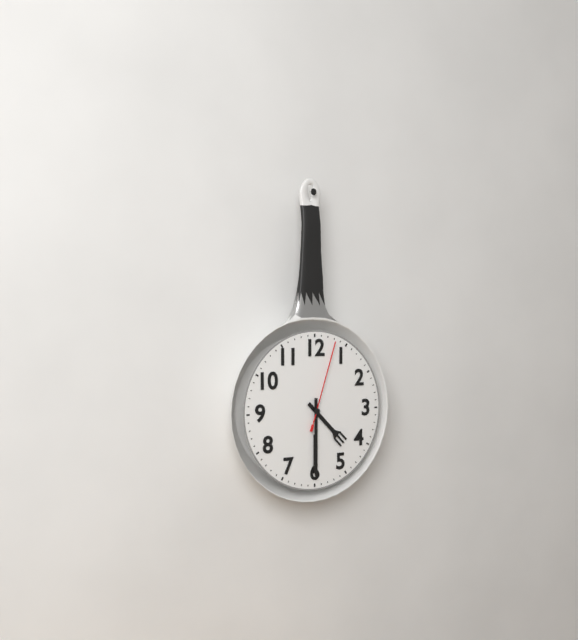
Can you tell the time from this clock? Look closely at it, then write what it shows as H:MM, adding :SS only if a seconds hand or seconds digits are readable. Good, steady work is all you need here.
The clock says 4:30:03
